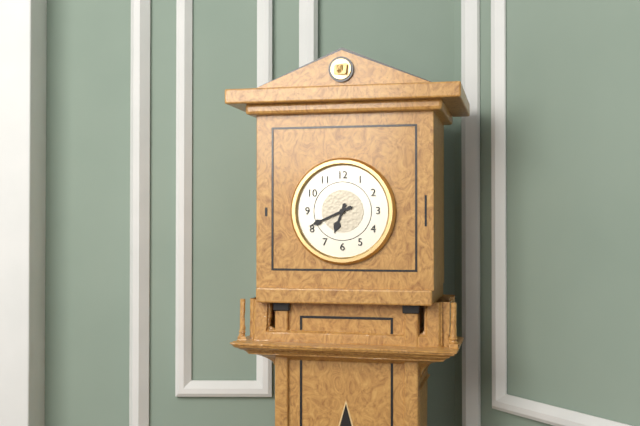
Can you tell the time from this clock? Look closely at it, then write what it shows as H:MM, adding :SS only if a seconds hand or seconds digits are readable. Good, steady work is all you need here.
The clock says 6:41
